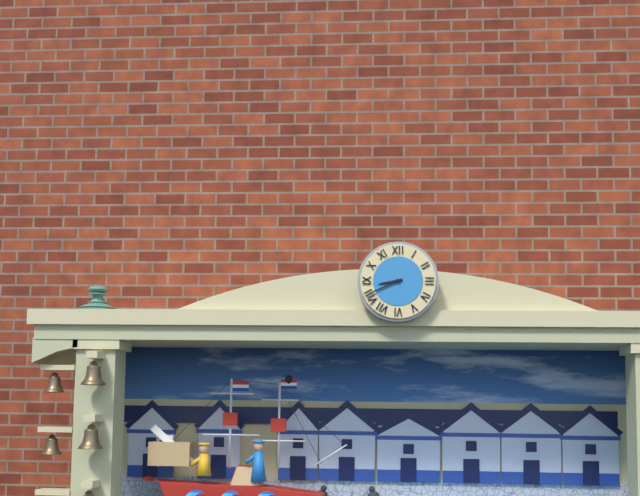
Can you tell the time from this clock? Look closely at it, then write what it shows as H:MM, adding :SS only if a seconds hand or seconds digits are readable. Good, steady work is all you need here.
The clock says 8:41
